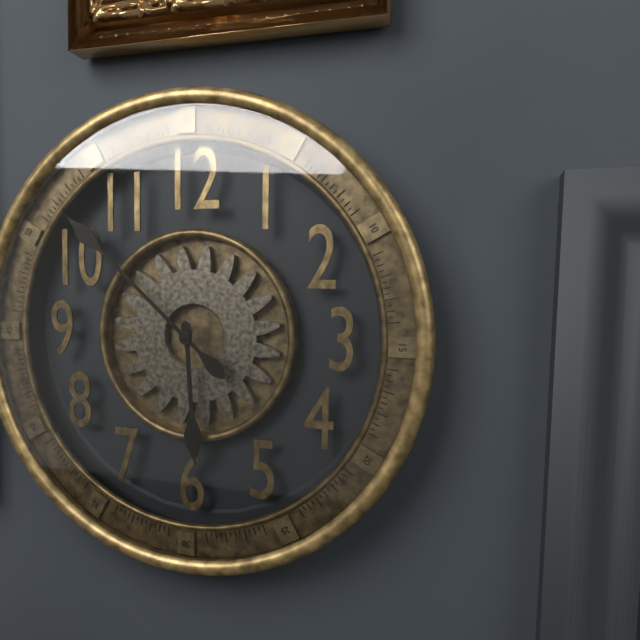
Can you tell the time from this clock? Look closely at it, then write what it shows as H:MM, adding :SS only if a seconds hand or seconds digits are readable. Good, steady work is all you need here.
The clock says 5:52
